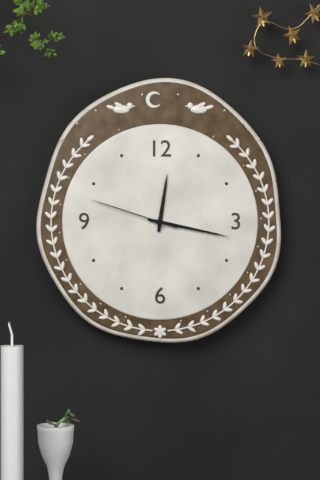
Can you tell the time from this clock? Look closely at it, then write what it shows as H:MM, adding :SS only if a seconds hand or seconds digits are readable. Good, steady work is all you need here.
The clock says 12:17:48
